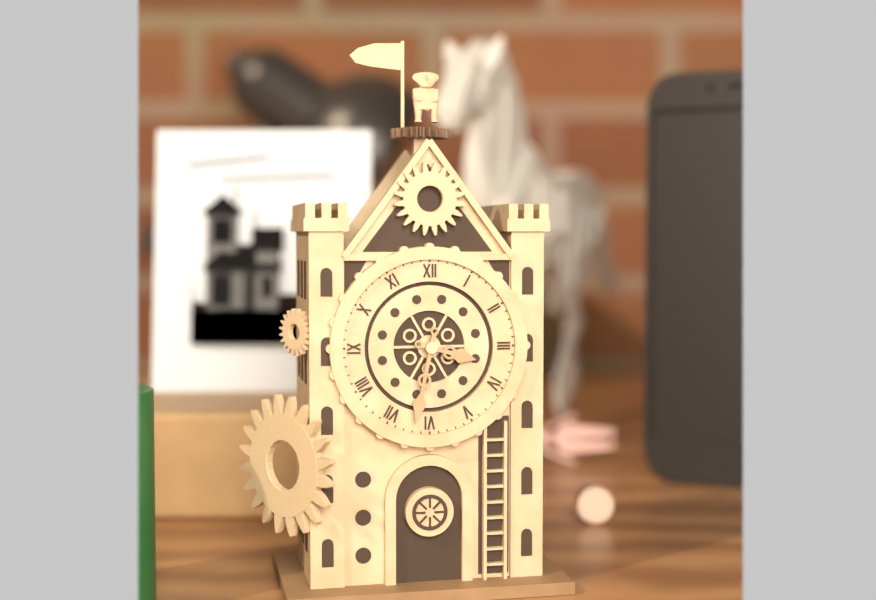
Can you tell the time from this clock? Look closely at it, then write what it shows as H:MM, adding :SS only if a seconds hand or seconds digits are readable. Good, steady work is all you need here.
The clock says 3:32
